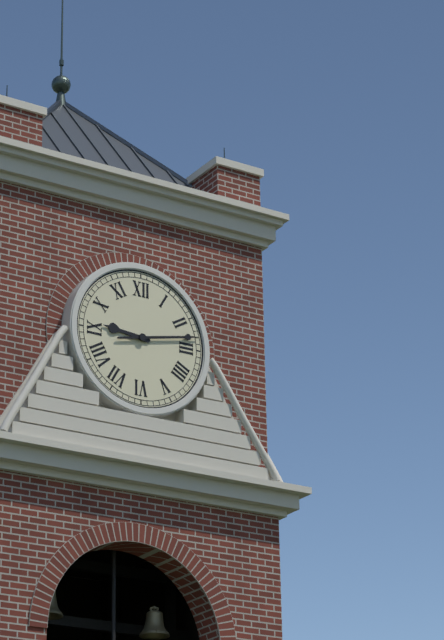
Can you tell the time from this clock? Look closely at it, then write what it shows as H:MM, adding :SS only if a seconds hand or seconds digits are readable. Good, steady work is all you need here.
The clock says 9:13
